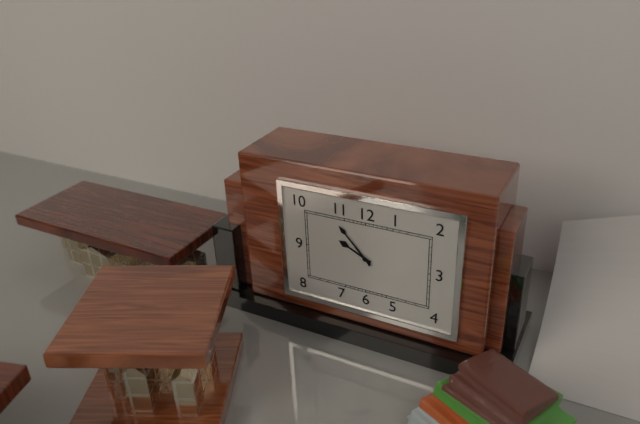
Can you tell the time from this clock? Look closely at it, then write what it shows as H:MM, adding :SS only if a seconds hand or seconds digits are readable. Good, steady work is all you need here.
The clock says 9:53
